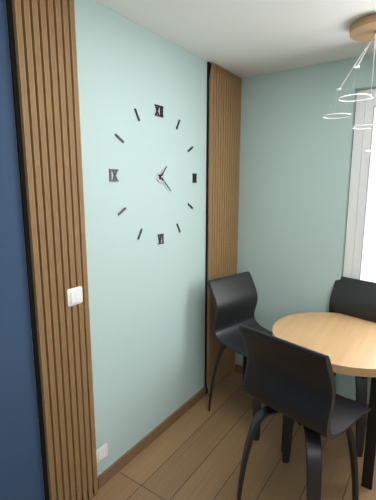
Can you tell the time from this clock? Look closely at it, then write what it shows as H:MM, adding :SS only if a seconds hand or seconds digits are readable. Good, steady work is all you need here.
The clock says 1:22
